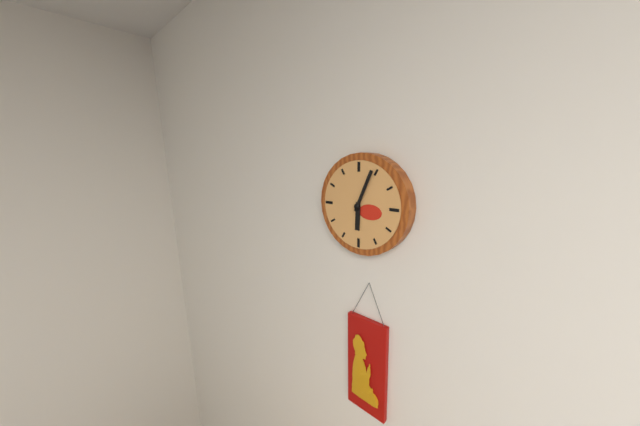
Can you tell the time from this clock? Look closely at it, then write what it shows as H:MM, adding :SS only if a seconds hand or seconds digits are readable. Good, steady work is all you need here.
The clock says 6:04
